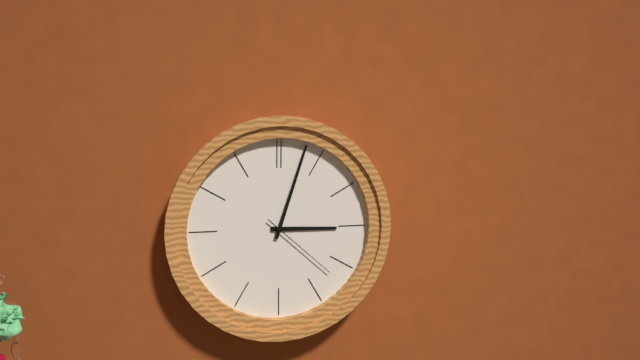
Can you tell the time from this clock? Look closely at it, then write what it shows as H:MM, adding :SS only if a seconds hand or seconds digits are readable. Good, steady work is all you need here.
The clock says 3:03:22
